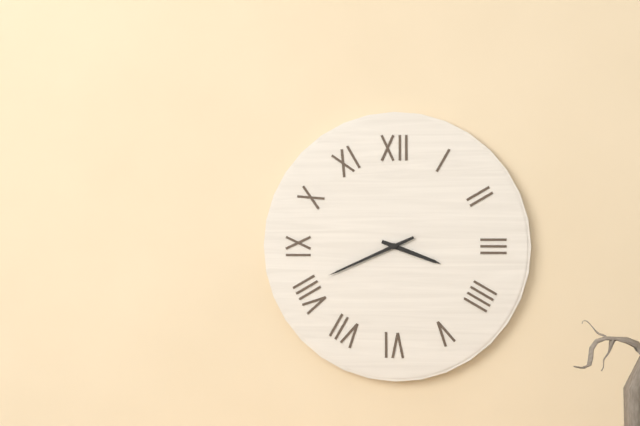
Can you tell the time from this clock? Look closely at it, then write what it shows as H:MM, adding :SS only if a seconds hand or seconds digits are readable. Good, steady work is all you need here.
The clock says 3:41
